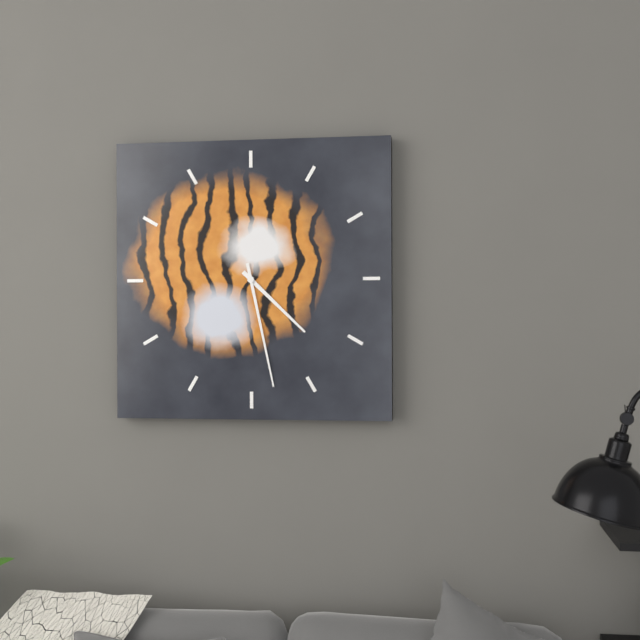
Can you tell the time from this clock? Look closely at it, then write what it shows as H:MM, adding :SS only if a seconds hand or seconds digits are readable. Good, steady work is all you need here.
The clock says 4:28
